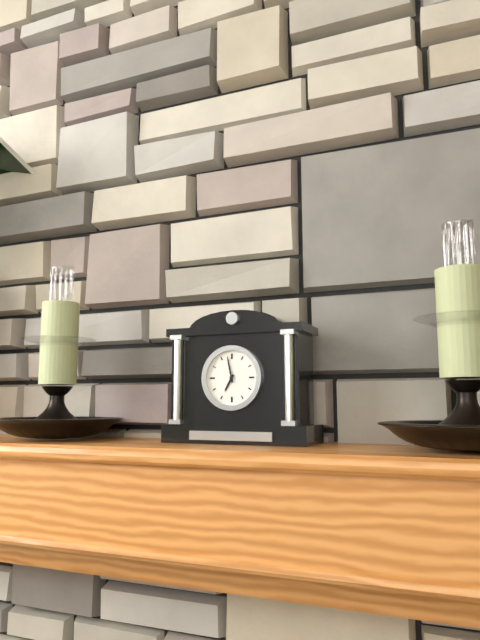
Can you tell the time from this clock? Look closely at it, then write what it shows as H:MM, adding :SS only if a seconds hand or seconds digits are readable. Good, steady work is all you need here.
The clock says 6:58
